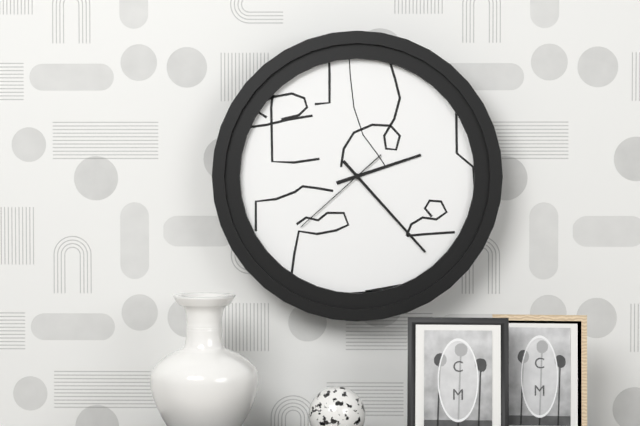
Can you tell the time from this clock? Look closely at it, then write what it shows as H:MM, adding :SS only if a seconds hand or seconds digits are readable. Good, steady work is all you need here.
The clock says 2:23:38
